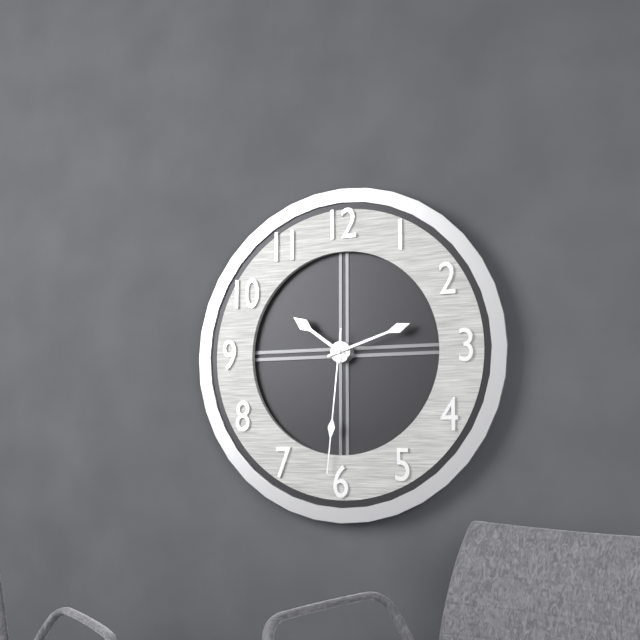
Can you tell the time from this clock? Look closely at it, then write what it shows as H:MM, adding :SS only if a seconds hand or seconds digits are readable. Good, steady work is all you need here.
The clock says 10:12:31
